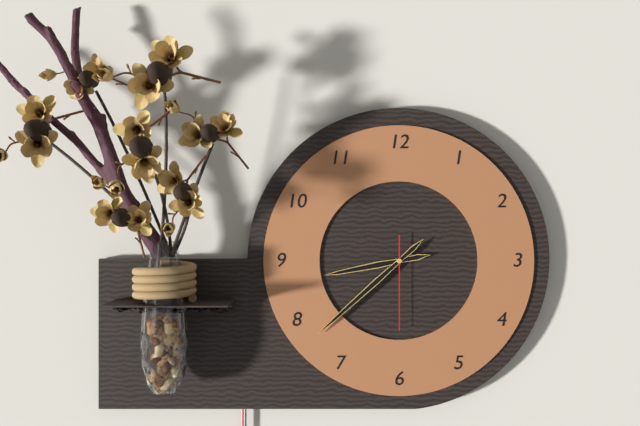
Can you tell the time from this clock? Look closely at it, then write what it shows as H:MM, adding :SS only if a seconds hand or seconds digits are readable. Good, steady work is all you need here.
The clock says 8:38:30
